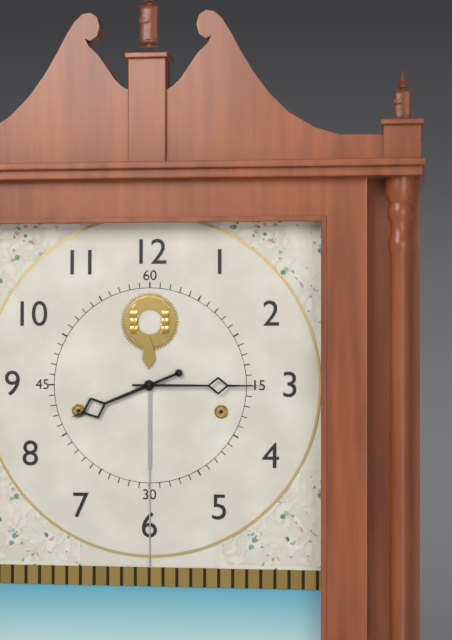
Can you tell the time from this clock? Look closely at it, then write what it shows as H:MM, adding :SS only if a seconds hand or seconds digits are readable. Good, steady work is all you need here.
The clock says 8:15
